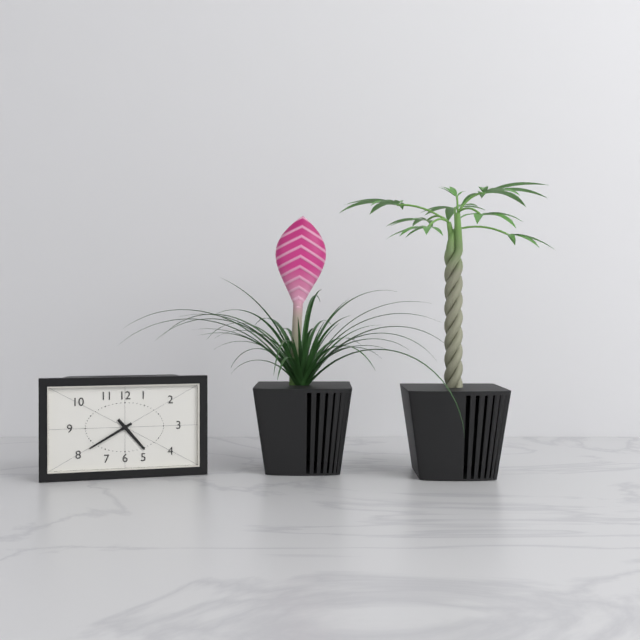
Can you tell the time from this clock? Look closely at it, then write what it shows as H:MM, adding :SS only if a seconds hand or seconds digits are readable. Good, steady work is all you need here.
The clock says 4:40
